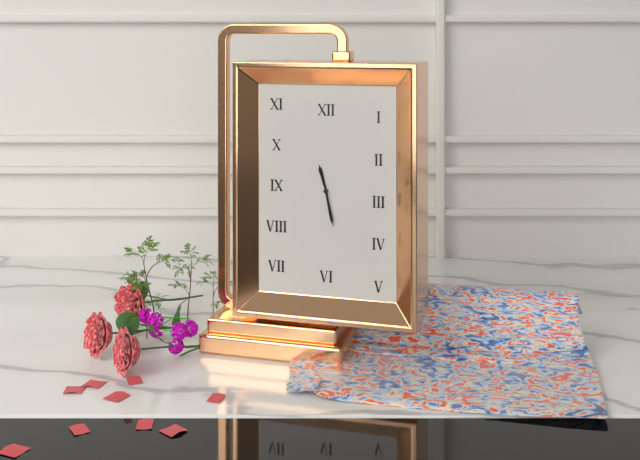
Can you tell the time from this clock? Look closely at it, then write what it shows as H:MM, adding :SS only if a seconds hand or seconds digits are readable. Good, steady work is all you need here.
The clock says 11:28
